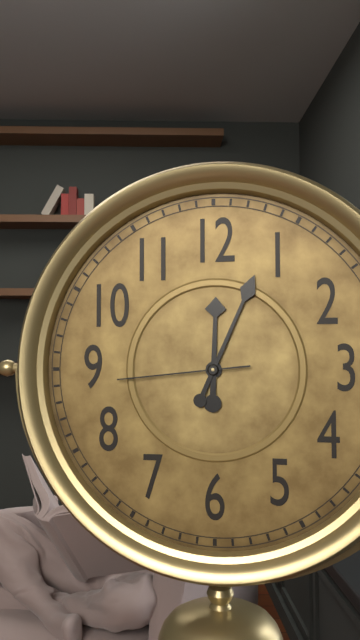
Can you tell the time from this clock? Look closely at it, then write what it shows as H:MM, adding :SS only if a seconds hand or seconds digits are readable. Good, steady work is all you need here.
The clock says 12:04:44
